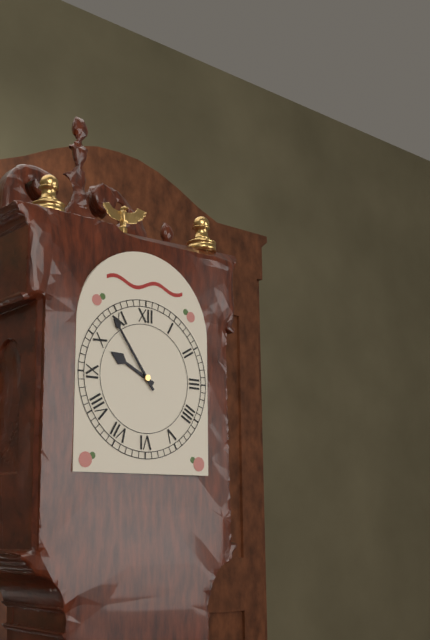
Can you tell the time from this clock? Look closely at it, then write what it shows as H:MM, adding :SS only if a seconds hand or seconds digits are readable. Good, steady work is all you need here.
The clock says 9:54
